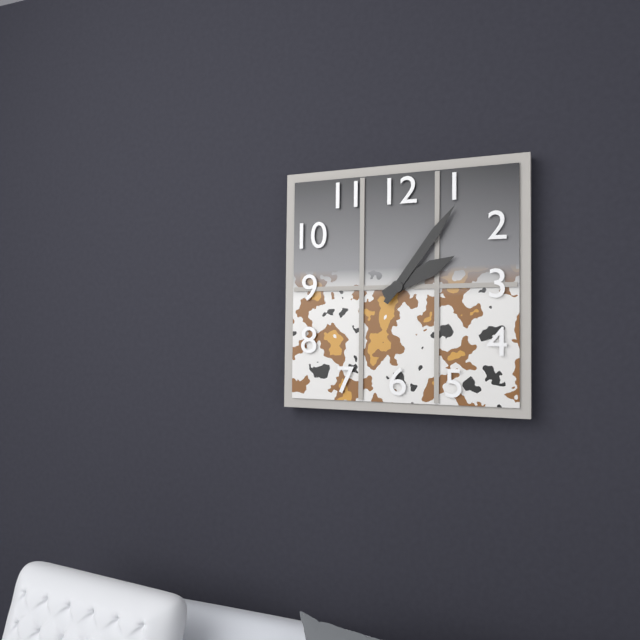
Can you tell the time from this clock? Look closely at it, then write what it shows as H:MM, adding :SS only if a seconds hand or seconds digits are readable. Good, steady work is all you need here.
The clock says 2:06
